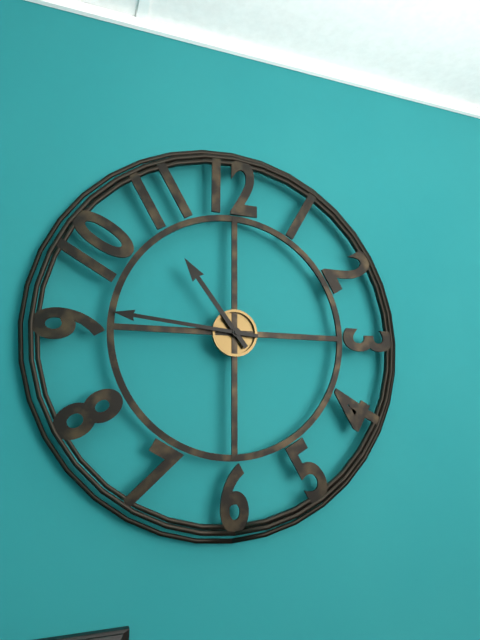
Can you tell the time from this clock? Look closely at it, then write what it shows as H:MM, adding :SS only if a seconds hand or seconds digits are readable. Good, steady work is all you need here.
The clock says 10:46
